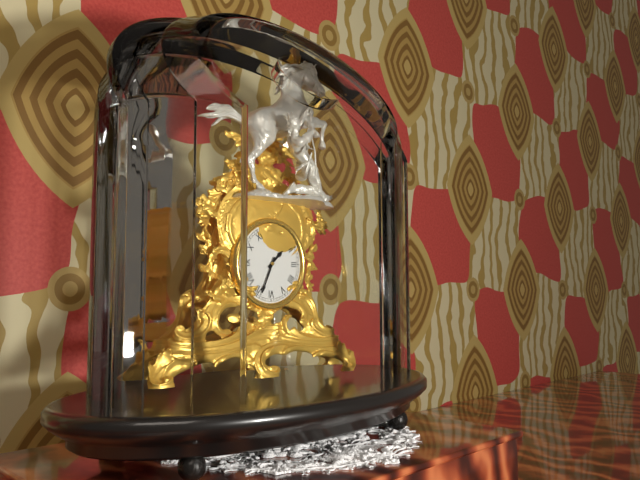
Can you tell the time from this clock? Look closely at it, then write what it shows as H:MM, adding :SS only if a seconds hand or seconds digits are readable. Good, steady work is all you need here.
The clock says 1:34
